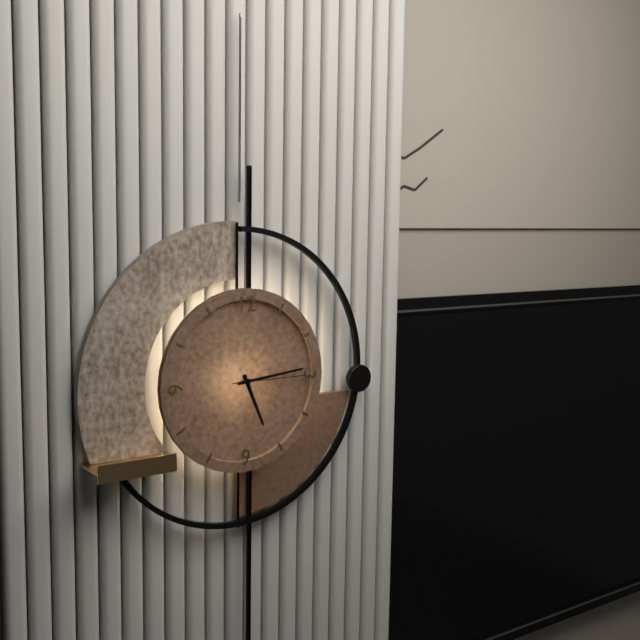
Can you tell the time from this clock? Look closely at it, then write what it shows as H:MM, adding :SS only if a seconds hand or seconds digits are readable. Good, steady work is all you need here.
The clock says 5:14:15
